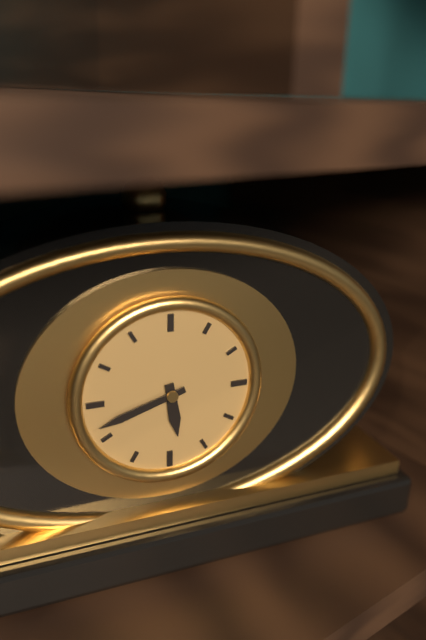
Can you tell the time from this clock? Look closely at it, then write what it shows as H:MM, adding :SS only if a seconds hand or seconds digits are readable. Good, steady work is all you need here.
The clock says 5:42
